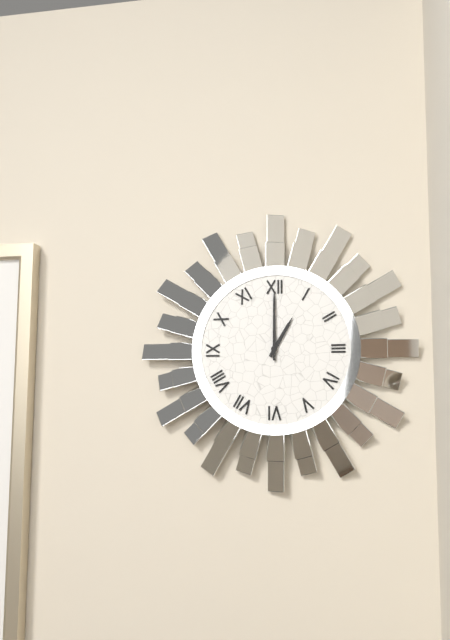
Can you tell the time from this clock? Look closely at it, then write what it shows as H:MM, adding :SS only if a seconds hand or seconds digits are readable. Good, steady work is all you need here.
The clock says 1:00
